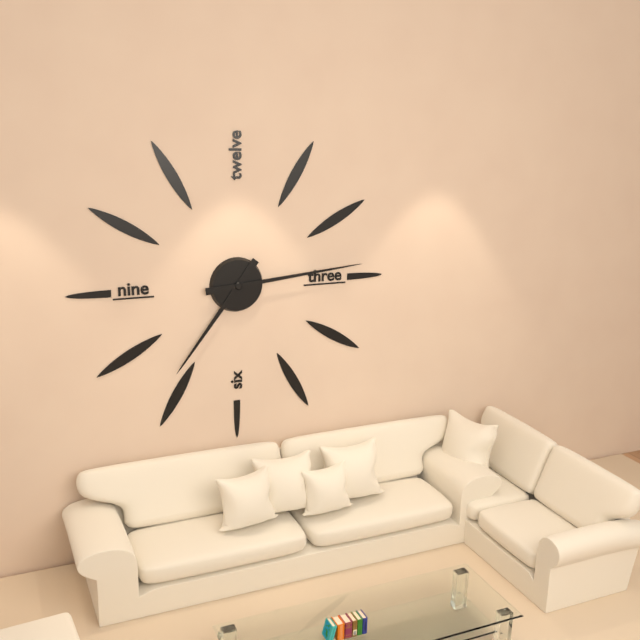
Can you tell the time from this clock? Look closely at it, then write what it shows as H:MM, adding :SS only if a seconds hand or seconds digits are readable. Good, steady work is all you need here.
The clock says 7:14
